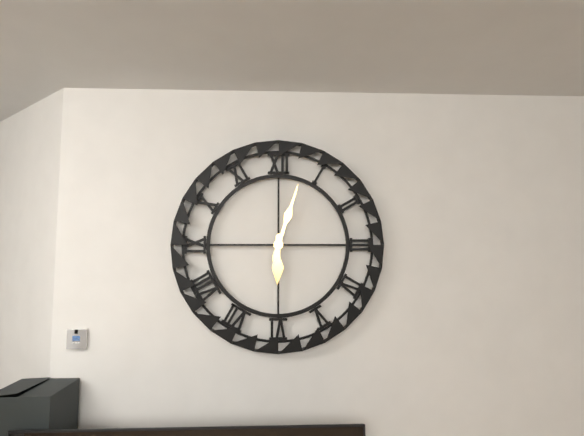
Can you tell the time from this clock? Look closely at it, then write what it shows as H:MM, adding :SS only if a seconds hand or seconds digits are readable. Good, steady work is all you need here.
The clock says 6:03
